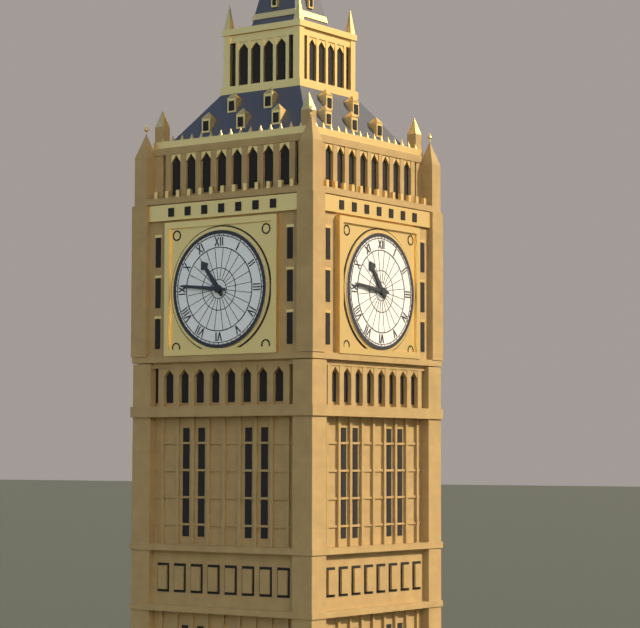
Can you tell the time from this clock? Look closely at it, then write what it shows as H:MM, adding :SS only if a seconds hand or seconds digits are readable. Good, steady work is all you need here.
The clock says 10:46
